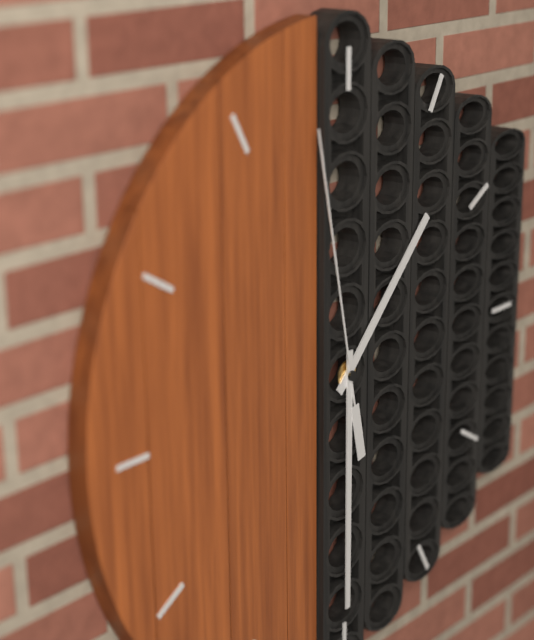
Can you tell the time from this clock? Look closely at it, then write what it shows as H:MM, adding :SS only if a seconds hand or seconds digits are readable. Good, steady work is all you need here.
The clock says 1:30:58
